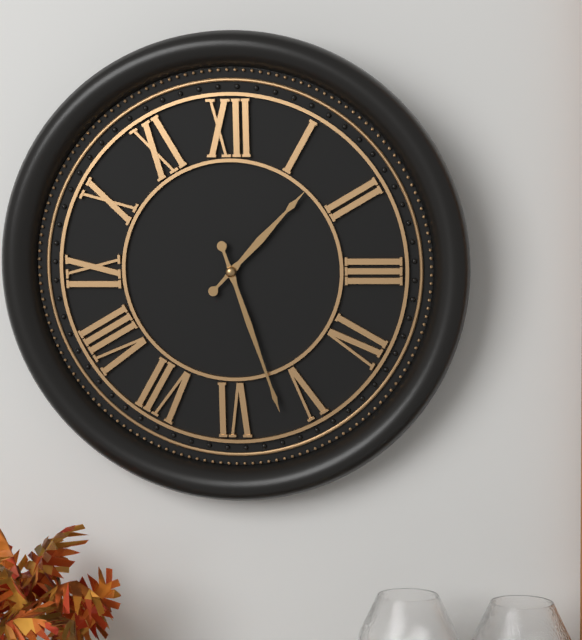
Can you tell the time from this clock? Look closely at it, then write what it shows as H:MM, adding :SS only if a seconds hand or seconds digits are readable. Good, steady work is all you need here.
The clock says 1:27
